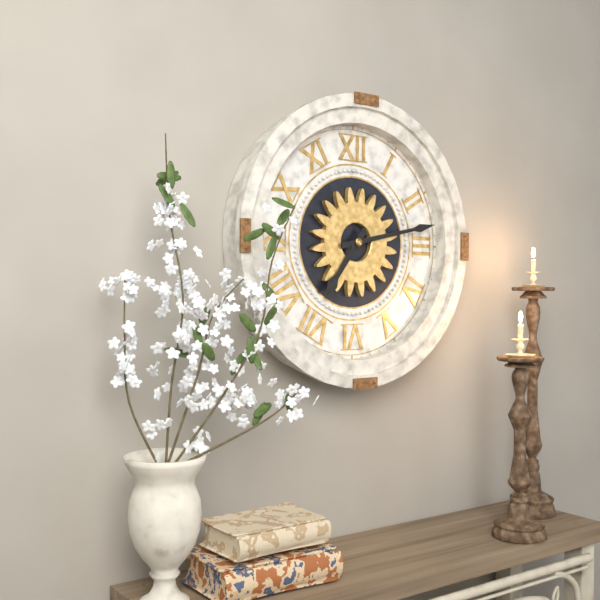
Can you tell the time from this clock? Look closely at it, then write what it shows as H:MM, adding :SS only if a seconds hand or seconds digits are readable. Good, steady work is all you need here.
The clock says 7:13
